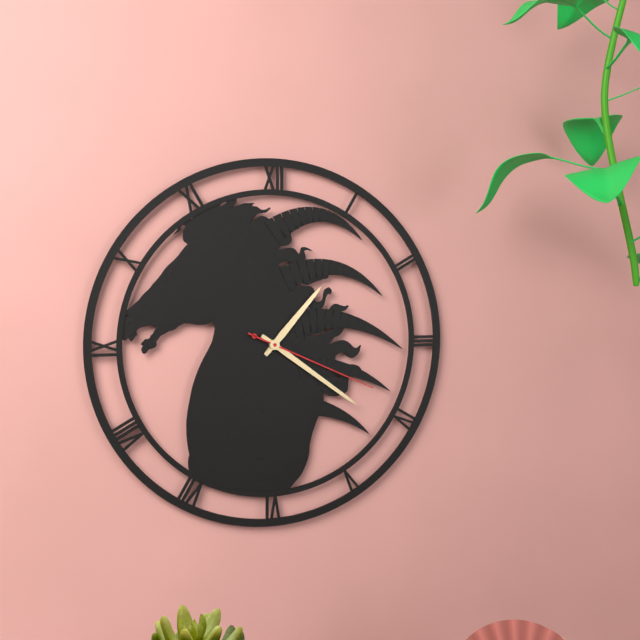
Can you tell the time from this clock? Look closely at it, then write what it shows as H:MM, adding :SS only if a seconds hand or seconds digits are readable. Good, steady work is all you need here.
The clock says 1:21:19
